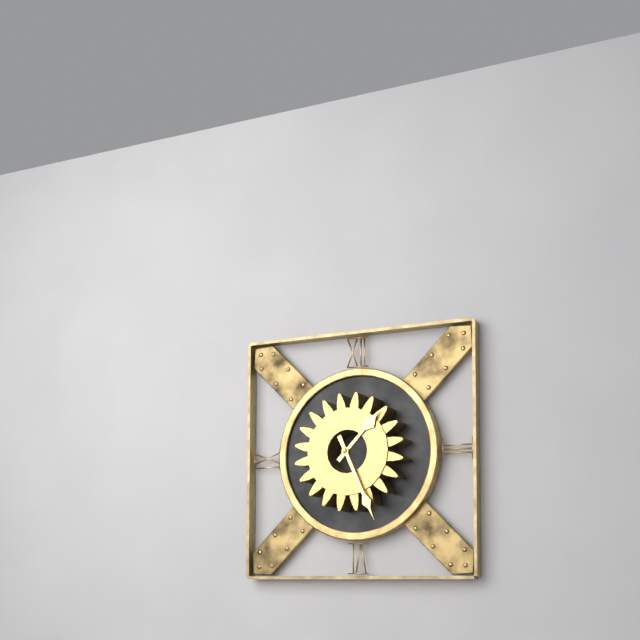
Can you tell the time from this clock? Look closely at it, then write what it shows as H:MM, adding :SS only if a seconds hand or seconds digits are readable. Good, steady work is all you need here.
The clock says 1:26
